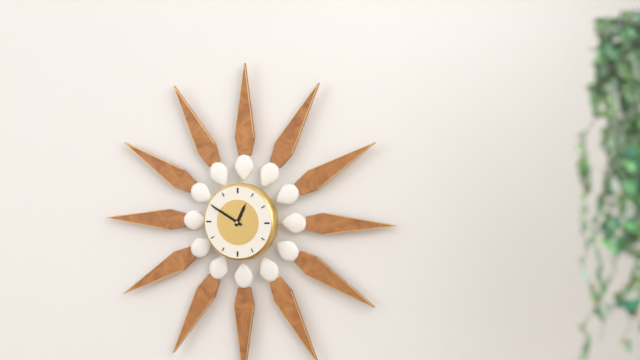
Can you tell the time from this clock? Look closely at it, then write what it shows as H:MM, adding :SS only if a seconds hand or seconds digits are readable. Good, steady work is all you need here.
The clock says 12:50
